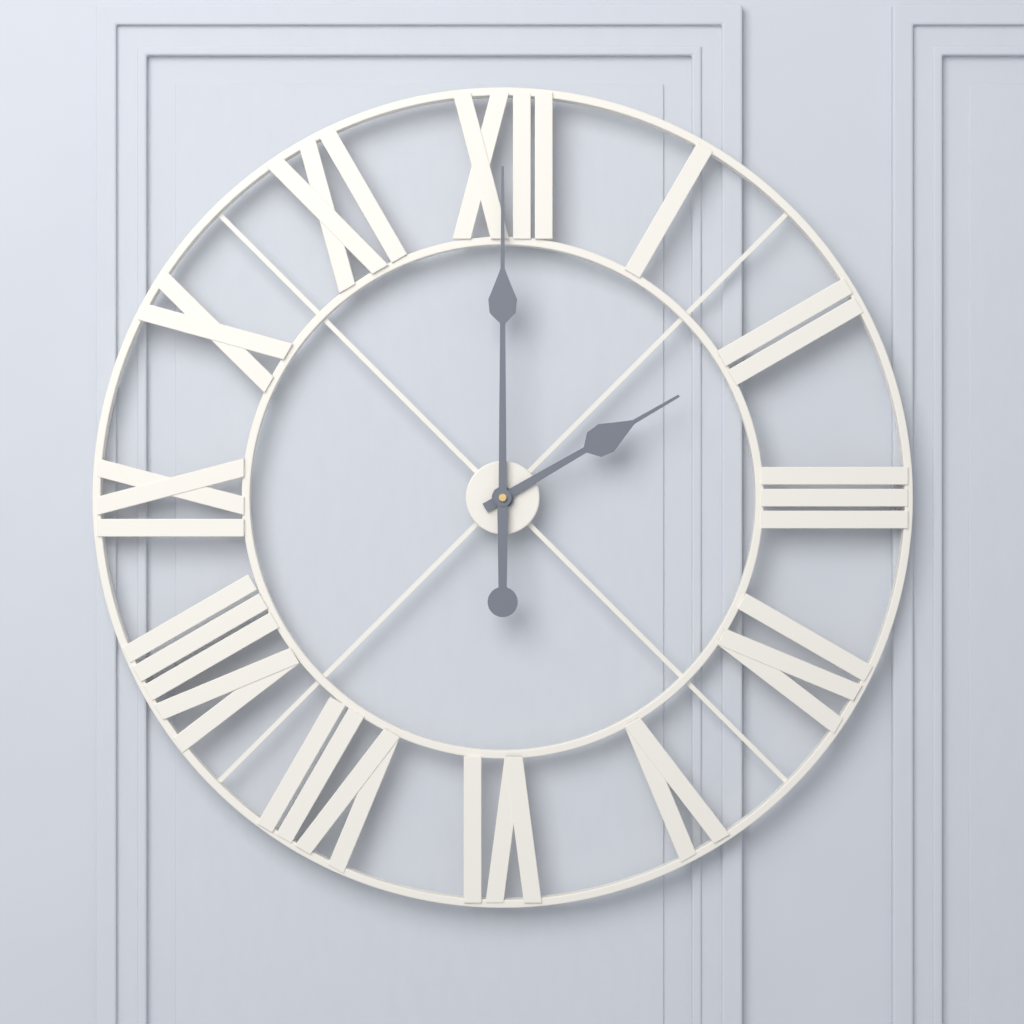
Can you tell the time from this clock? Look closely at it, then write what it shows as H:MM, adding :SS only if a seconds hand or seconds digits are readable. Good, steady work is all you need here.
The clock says 2:00
